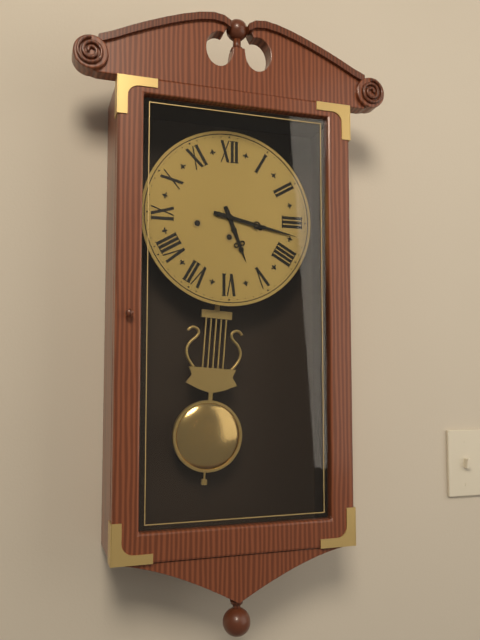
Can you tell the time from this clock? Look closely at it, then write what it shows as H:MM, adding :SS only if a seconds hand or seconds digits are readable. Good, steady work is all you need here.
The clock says 5:17
